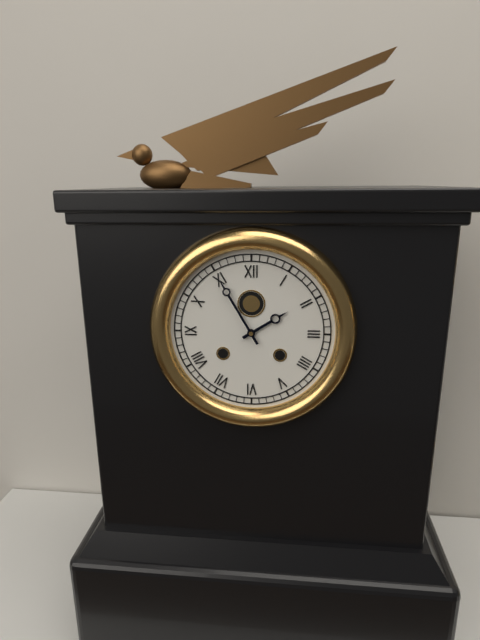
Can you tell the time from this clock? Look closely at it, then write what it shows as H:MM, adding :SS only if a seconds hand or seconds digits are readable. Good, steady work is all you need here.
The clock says 1:55
